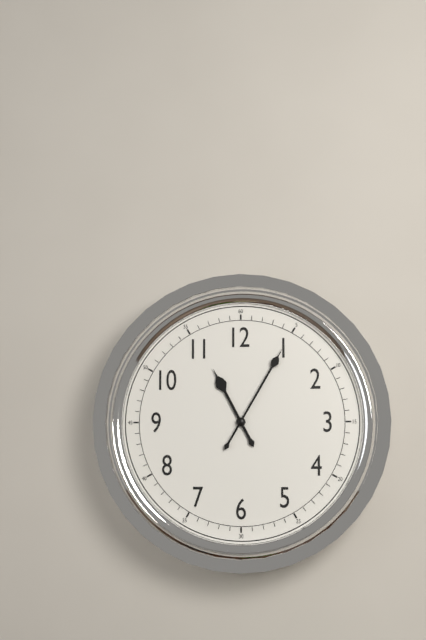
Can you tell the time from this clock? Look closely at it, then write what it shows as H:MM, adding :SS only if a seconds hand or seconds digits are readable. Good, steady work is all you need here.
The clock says 11:05
